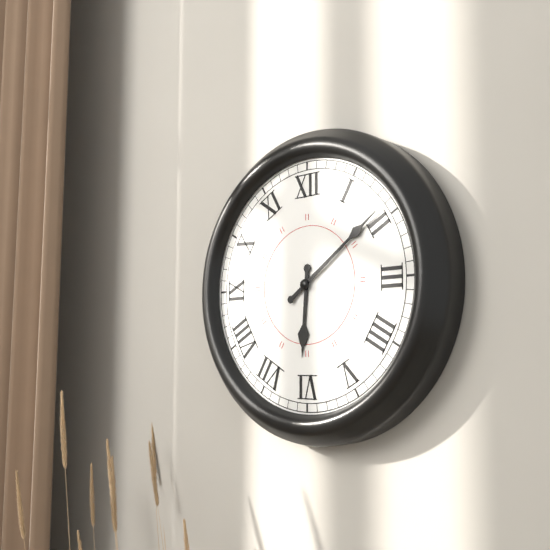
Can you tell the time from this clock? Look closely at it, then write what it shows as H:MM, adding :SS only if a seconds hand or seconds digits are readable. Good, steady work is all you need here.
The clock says 6:09
